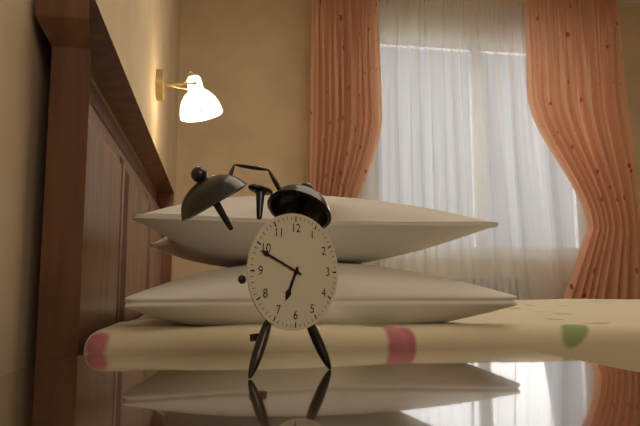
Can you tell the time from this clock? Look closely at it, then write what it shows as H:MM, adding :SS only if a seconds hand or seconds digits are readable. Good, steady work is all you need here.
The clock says 6:49
